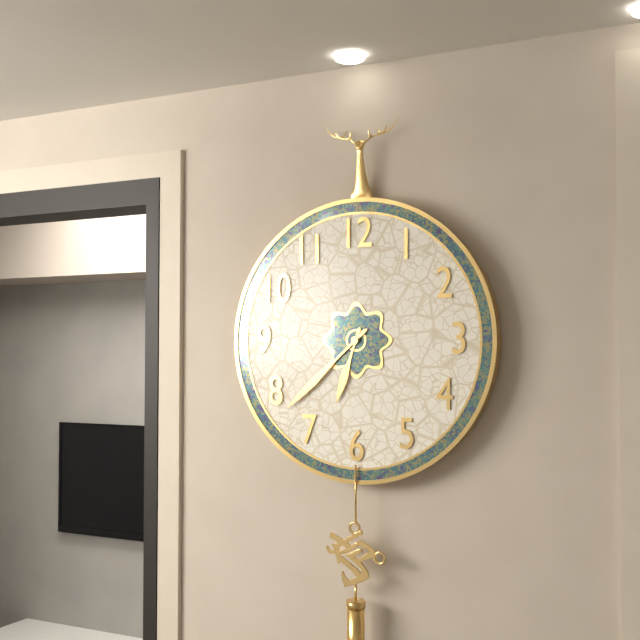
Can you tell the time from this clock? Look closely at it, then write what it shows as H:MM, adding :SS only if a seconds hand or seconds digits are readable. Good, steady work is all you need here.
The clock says 6:38
